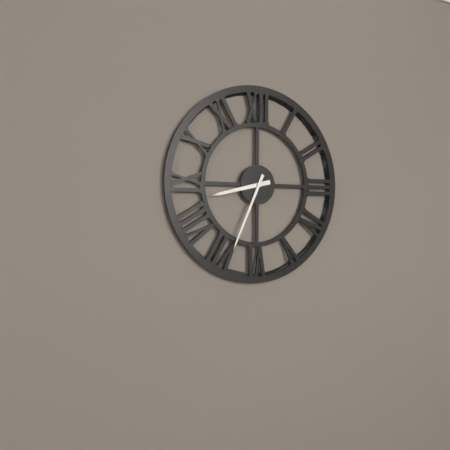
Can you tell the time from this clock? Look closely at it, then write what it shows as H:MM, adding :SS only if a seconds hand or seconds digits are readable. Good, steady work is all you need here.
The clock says 8:34
